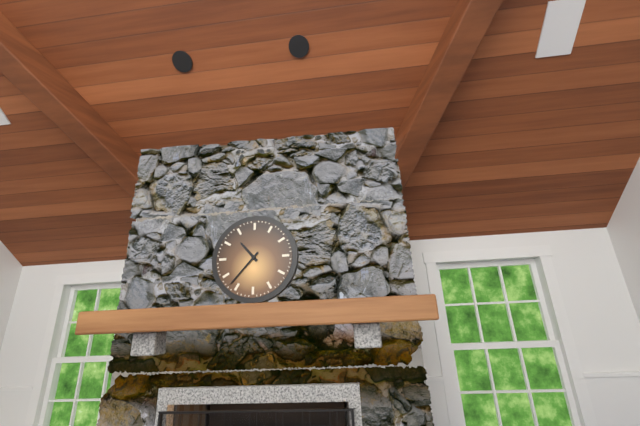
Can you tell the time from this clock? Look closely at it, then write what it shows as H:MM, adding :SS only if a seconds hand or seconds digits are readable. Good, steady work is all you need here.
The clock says 10:37
